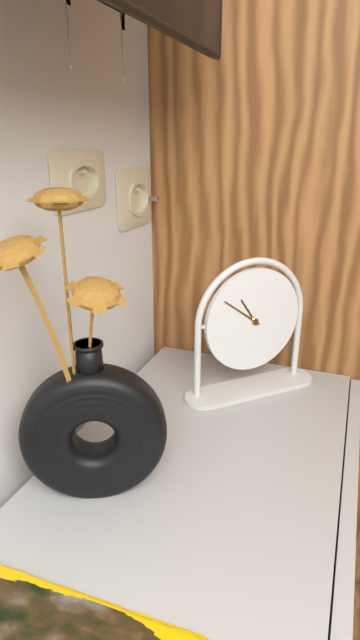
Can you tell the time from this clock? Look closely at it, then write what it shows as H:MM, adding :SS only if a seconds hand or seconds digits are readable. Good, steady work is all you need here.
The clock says 10:51
